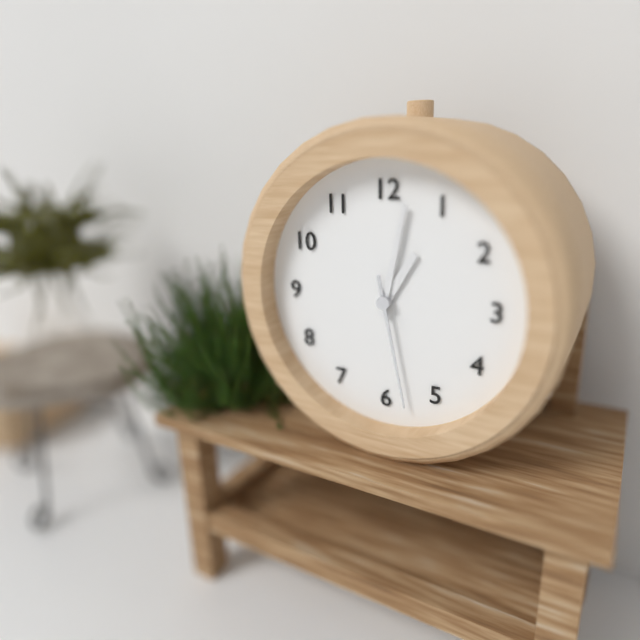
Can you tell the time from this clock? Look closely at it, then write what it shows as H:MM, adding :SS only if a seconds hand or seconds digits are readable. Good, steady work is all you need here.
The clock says 1:02:28
